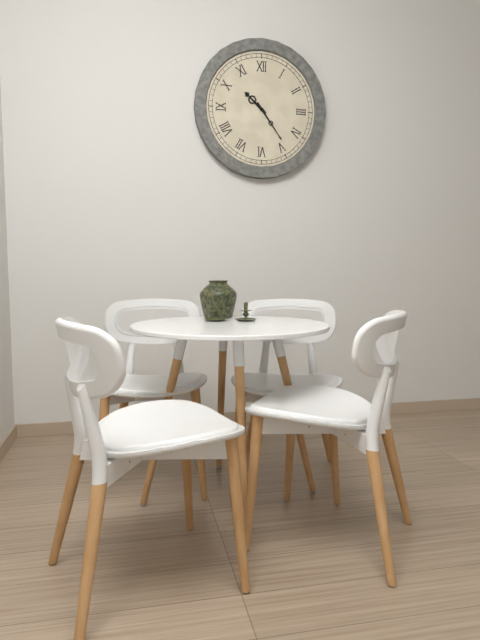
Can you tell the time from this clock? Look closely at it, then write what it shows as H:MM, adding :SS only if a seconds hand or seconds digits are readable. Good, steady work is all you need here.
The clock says 10:24
